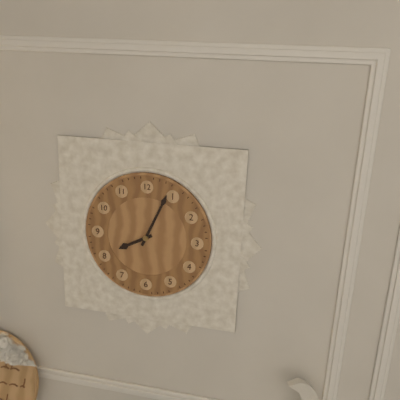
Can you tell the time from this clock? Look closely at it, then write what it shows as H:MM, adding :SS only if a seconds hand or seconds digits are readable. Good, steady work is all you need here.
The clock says 8:04
